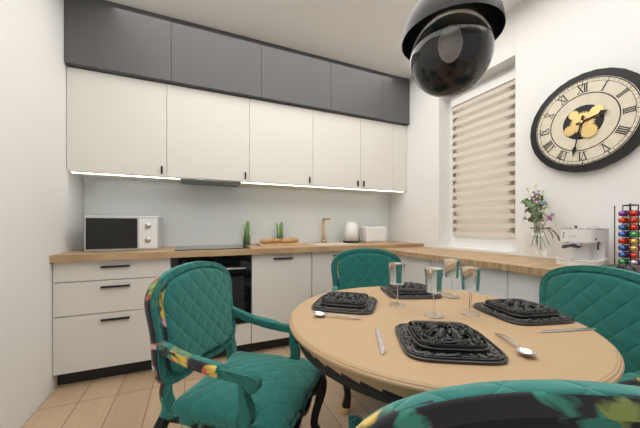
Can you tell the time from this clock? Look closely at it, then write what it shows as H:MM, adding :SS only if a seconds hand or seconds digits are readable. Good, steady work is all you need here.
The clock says 2:32
